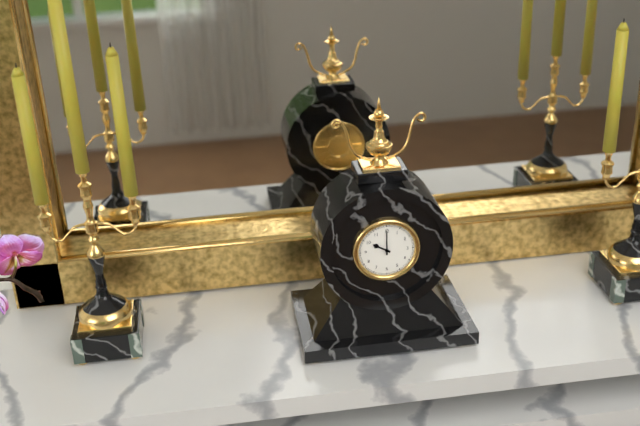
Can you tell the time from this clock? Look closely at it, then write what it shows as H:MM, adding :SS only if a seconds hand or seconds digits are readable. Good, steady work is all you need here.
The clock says 10:00
